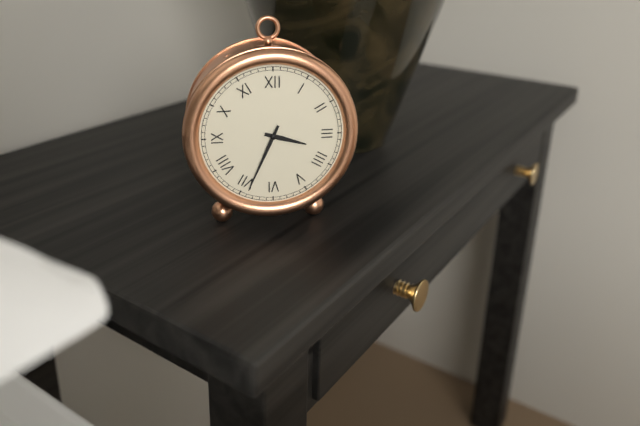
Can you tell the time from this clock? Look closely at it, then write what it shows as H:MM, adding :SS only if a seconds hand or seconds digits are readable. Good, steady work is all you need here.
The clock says 3:34
